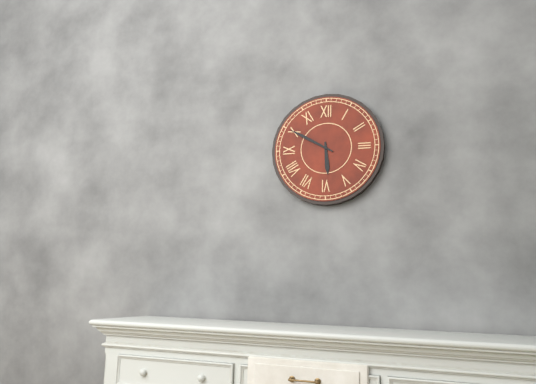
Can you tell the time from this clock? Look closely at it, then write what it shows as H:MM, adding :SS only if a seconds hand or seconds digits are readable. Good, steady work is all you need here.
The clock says 5:50
